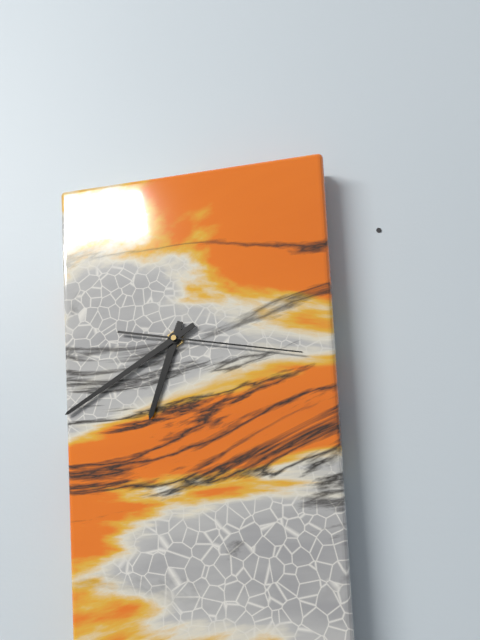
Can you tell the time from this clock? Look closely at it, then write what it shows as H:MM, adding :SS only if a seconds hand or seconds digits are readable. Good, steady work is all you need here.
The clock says 6:40:17
